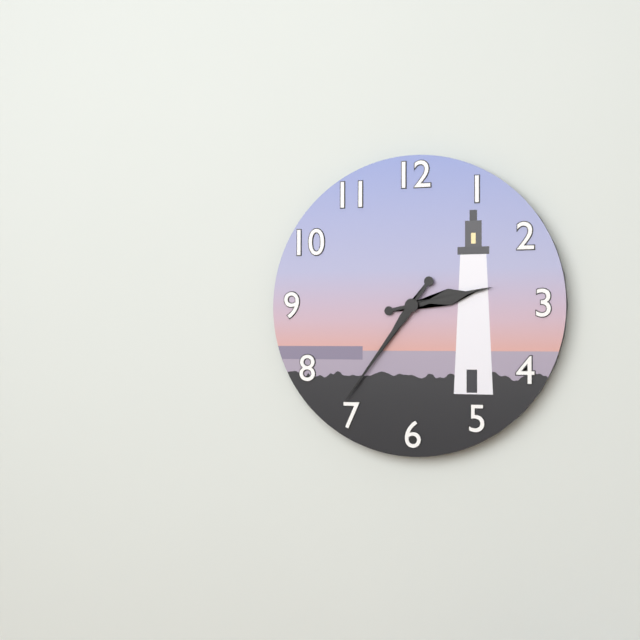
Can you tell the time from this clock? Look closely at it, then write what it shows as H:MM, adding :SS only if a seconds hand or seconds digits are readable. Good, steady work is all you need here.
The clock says 2:36
